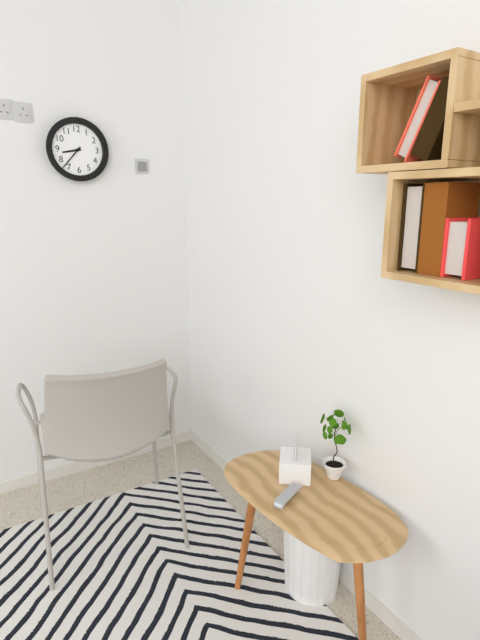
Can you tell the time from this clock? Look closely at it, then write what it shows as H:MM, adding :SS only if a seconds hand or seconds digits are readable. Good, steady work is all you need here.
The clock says 8:37
